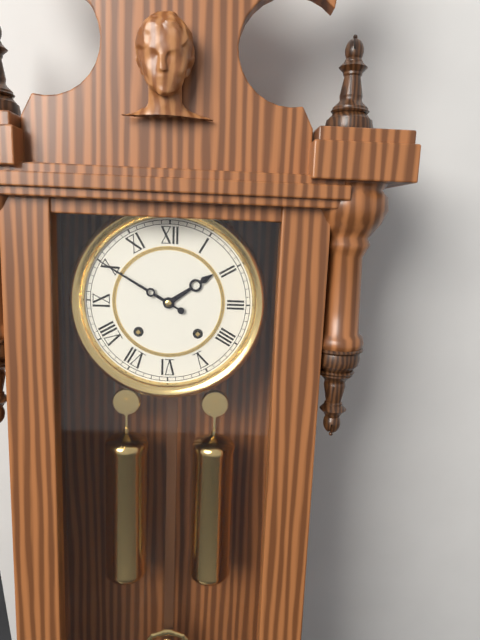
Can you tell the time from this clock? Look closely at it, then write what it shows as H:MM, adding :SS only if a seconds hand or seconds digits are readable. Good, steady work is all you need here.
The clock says 1:50
